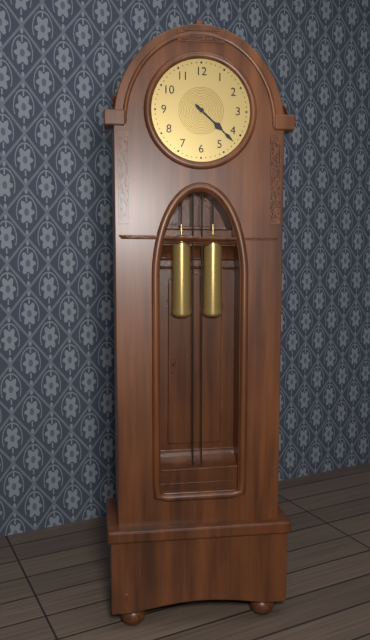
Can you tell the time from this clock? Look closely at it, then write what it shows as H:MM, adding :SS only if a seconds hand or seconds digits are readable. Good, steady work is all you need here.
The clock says 4:22
